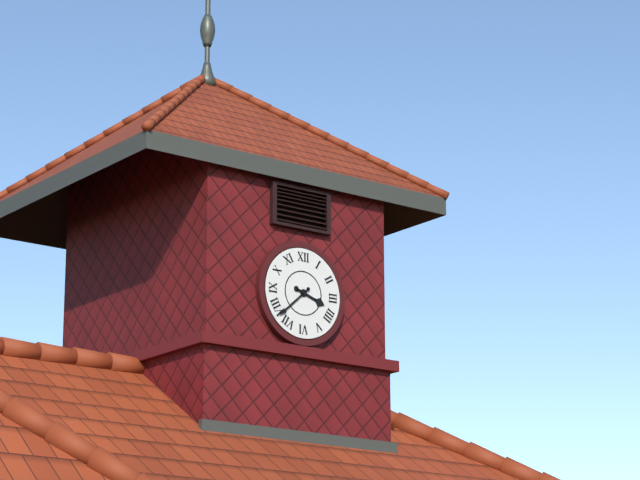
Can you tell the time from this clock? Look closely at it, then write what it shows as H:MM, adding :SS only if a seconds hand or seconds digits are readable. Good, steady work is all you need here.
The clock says 3:38
